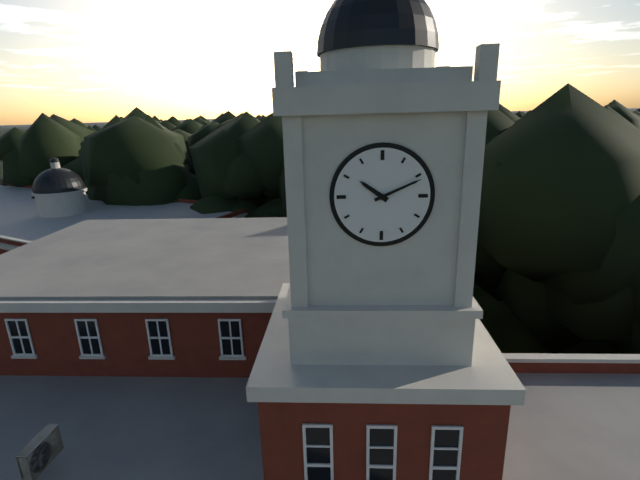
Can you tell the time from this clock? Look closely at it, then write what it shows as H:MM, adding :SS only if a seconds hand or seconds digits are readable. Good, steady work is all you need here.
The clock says 10:11
